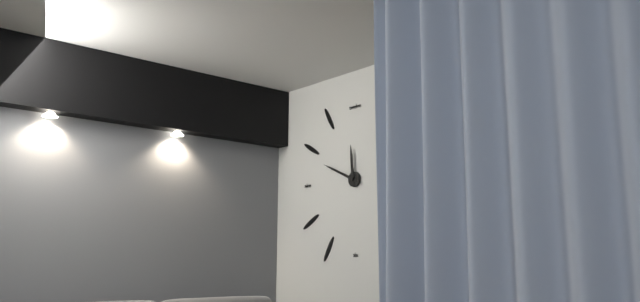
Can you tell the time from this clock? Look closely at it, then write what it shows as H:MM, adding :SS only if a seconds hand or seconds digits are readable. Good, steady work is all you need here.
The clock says 11:49
